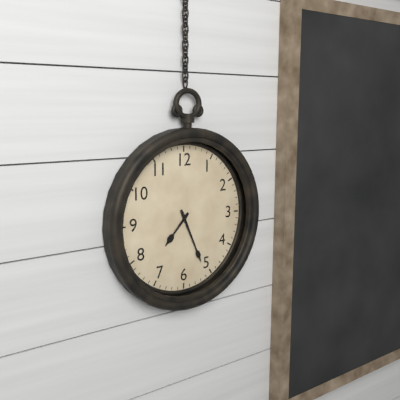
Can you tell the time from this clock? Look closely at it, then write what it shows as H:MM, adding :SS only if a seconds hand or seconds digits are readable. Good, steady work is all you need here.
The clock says 7:26
